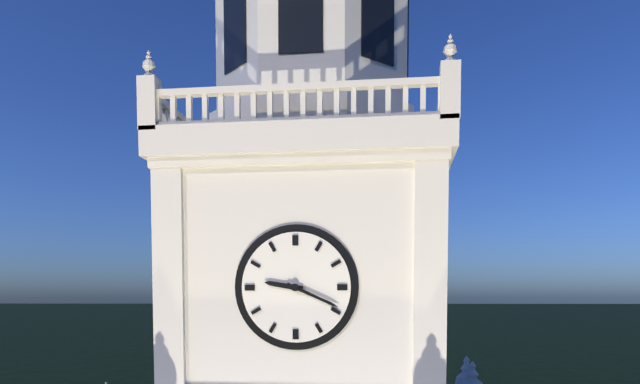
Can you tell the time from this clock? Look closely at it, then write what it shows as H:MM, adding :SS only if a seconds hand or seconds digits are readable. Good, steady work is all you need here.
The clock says 9:19
